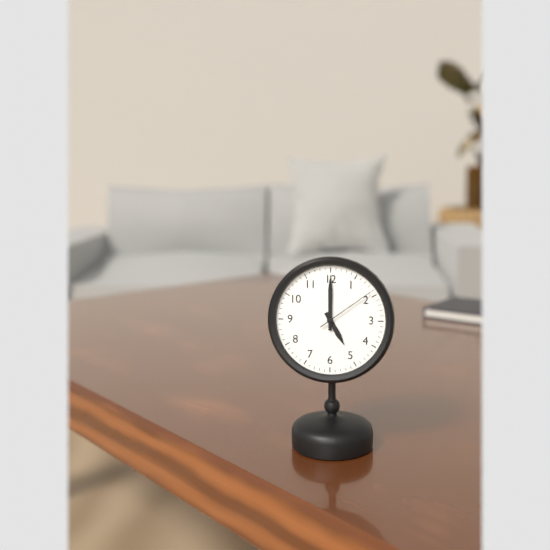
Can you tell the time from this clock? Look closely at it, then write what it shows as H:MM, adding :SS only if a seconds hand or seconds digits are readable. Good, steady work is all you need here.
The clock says 5:00:09
